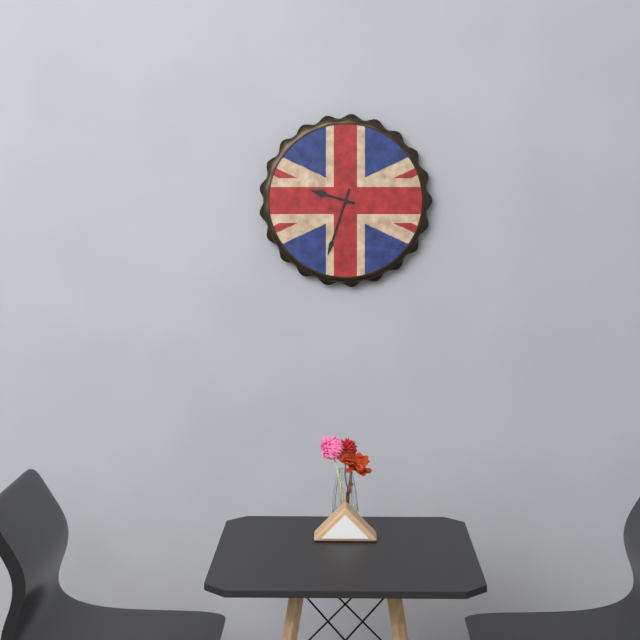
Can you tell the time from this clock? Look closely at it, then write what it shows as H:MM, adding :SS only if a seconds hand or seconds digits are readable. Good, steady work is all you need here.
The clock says 9:33
